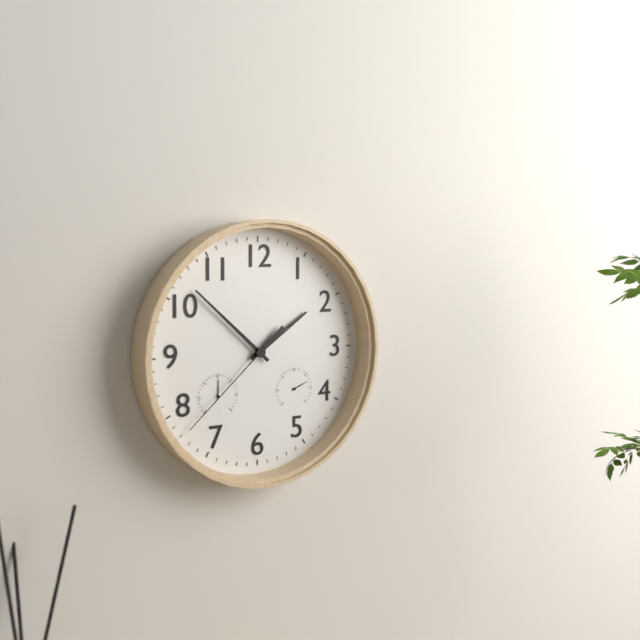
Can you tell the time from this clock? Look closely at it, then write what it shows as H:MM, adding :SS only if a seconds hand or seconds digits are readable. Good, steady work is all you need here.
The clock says 1:52:38
